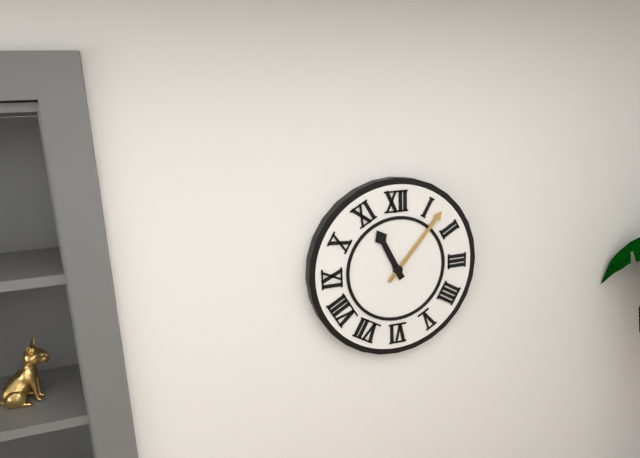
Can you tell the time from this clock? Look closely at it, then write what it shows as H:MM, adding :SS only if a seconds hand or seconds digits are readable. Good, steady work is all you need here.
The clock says 11:07
